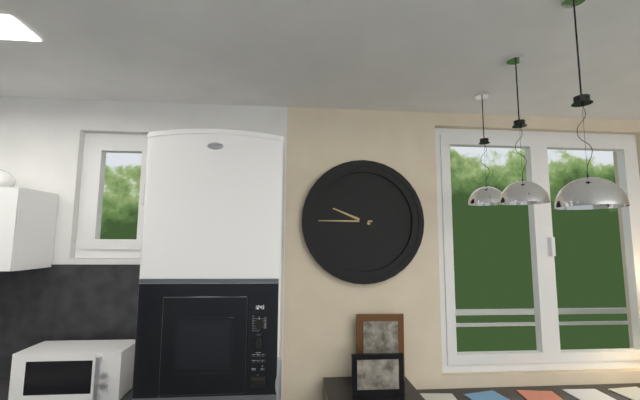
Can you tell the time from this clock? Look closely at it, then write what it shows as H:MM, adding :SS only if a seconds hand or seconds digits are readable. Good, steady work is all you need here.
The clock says 9:45
